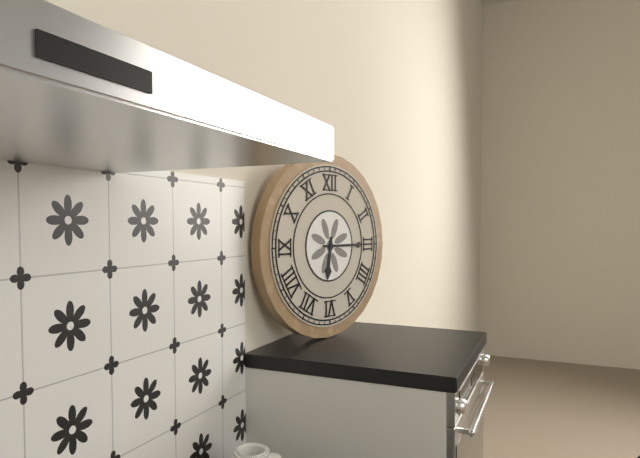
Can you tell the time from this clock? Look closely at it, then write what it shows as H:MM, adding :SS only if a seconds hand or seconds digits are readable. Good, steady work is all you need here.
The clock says 6:15
